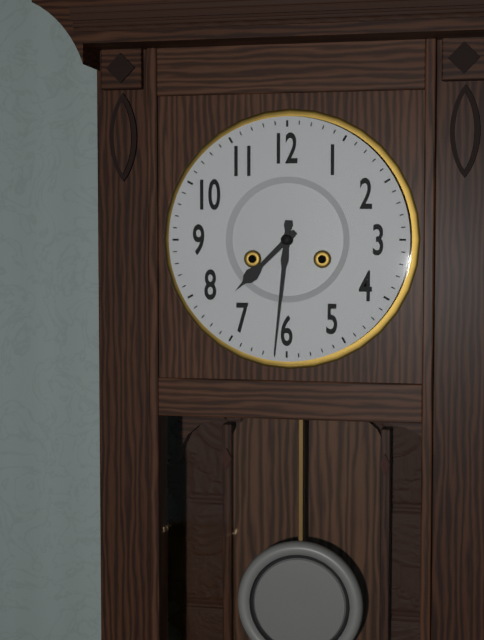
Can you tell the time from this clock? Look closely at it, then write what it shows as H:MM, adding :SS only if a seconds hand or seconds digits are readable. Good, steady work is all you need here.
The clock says 7:31
